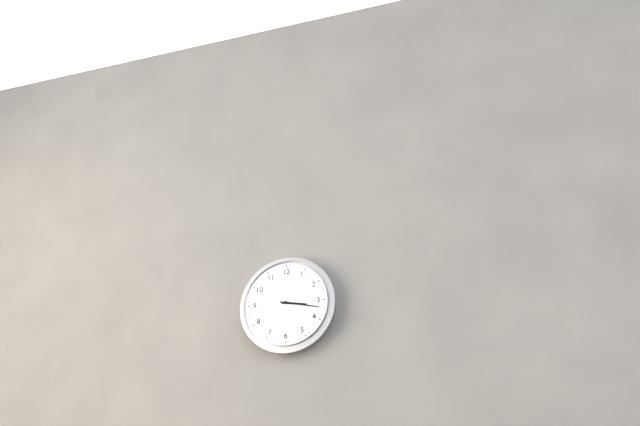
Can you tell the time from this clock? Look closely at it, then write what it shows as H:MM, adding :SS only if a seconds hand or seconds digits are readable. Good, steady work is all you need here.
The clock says 3:17
